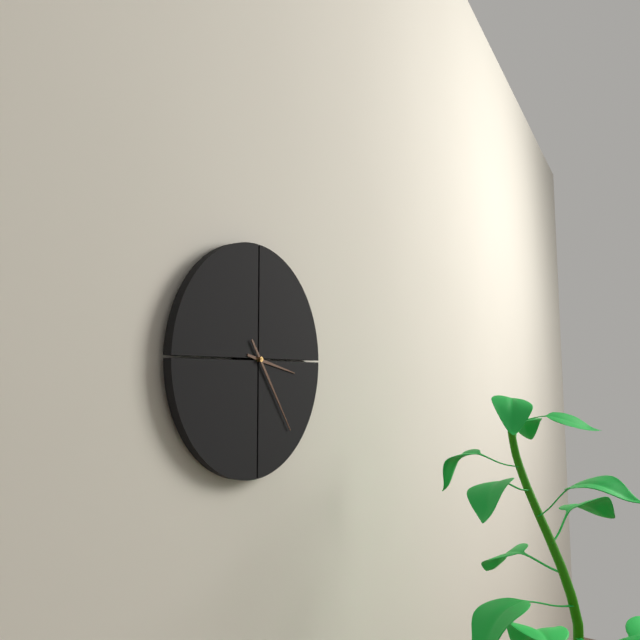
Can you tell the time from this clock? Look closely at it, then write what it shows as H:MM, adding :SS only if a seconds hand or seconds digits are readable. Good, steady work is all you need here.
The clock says 3:24
